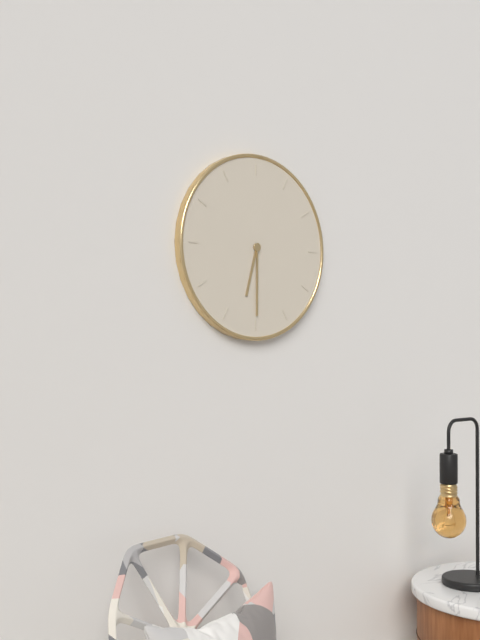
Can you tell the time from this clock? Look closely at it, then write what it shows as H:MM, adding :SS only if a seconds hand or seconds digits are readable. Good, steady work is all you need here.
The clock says 6:30
